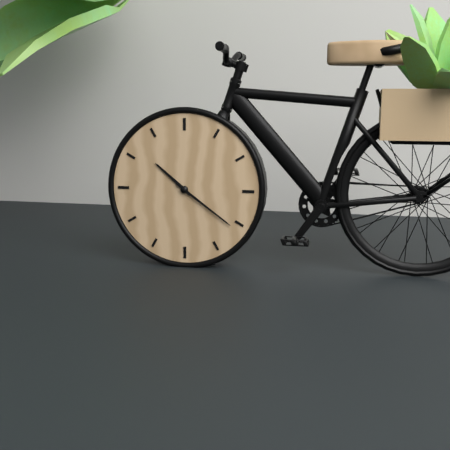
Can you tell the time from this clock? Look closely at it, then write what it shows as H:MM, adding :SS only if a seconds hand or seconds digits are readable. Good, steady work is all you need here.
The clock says 10:21
